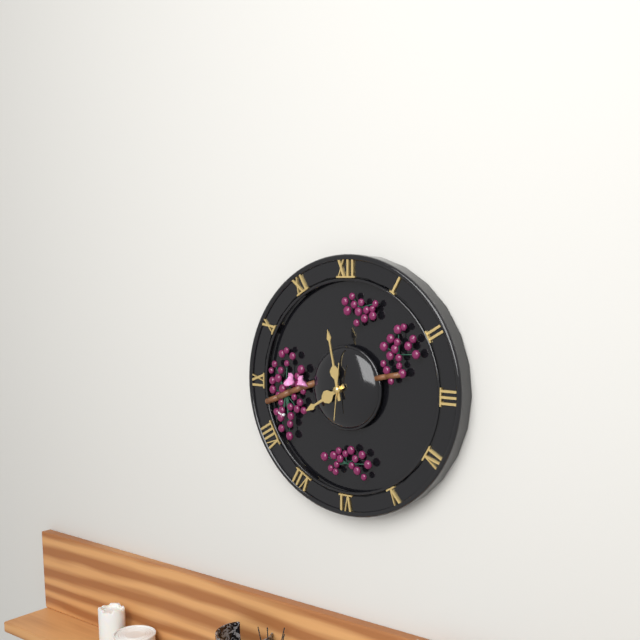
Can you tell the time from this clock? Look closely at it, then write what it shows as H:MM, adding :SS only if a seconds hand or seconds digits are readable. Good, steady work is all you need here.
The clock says 7:58
